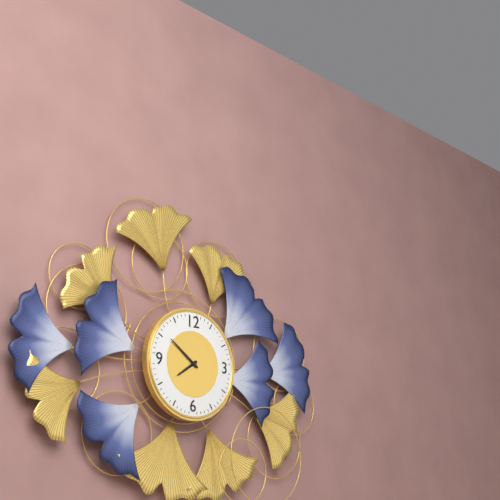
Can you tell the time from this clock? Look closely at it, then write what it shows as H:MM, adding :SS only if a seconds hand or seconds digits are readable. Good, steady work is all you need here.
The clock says 7:51
